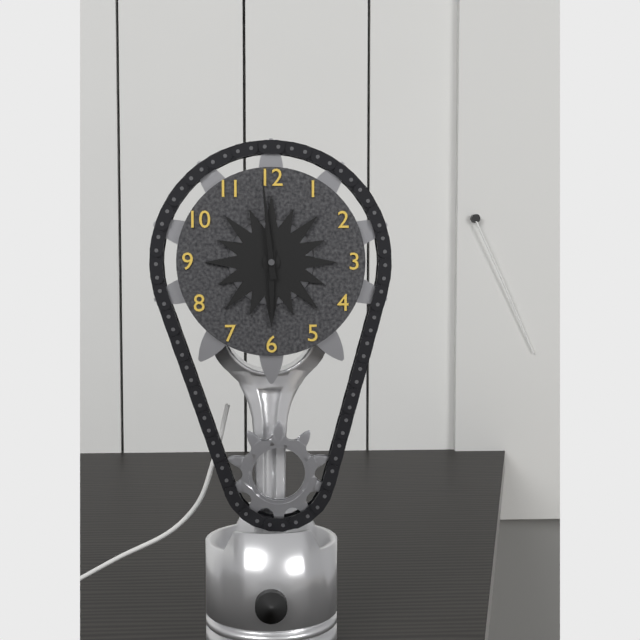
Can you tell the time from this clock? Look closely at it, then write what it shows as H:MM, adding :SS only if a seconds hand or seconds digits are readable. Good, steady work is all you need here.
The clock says 5:59
